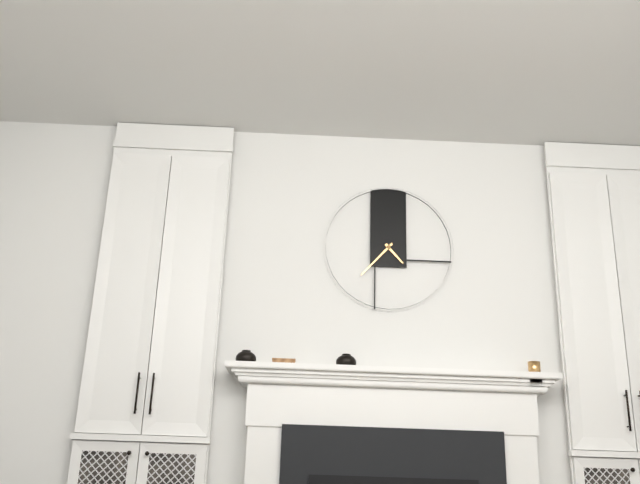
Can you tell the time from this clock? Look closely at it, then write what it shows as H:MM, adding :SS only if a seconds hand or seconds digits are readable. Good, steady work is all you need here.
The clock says 4:37
